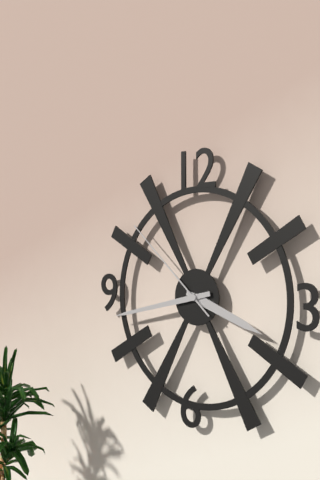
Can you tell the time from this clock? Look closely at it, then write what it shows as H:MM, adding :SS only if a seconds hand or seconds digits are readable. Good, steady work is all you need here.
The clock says 3:43:52
